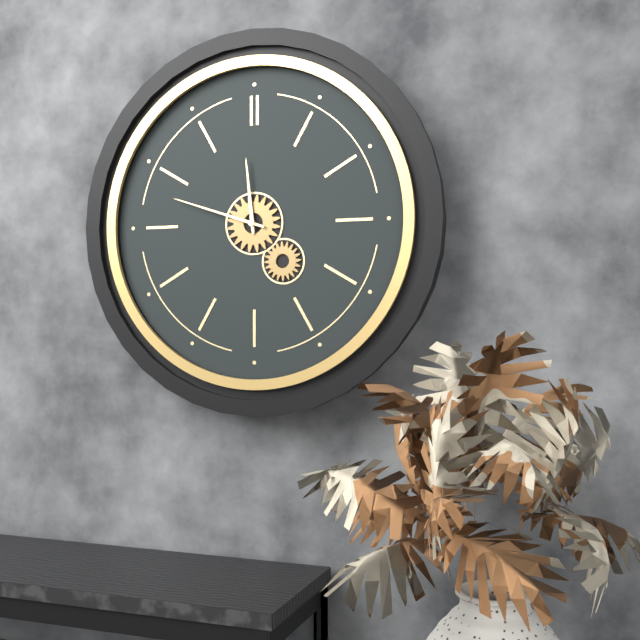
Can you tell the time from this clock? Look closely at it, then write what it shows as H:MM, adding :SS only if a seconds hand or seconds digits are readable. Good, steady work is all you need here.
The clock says 11:48
